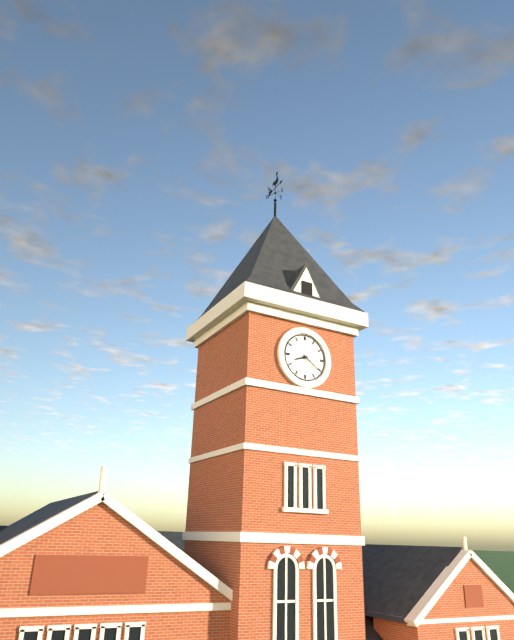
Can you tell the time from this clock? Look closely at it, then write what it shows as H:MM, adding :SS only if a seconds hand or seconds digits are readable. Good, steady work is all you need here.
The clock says 8:21
